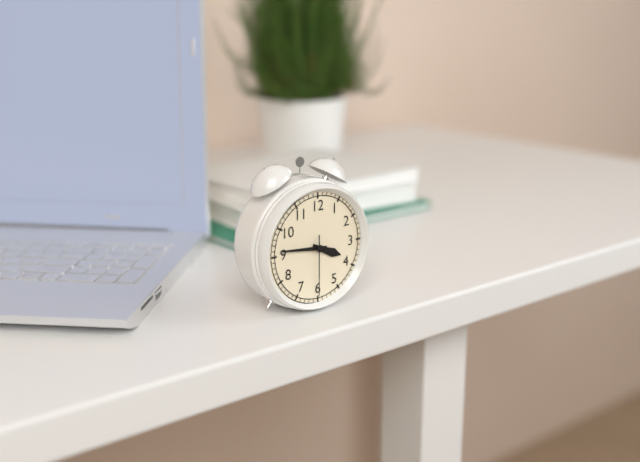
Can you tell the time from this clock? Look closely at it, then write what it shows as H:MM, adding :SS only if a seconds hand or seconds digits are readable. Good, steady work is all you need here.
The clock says 3:46:30
